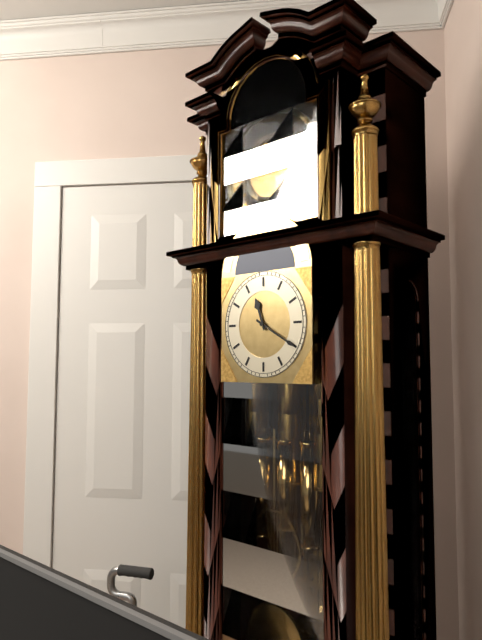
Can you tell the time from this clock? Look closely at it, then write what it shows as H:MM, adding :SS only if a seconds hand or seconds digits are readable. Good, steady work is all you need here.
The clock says 11:20
